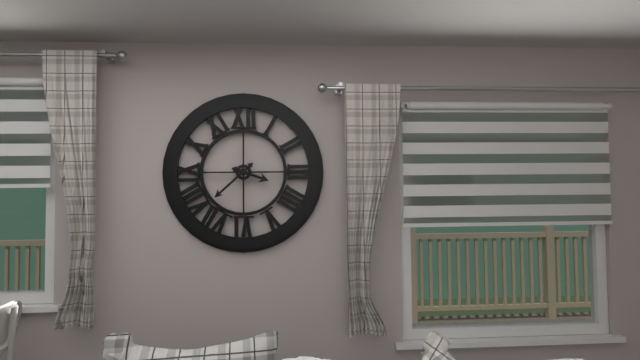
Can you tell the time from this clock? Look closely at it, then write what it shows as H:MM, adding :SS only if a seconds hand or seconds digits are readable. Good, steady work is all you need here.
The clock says 3:38
